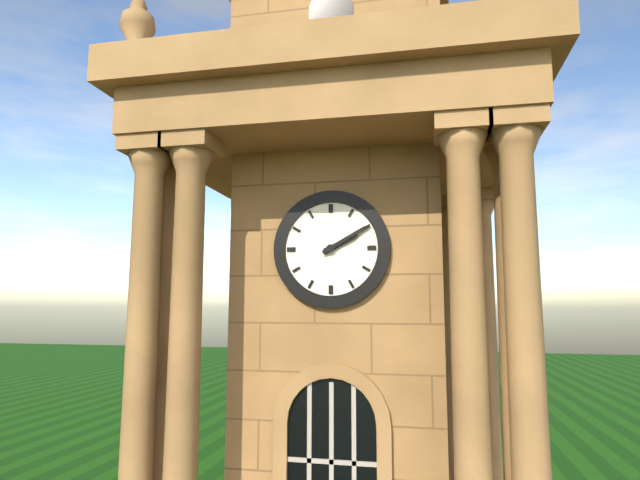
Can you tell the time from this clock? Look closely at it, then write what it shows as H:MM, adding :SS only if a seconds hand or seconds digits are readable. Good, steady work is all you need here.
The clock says 2:10
